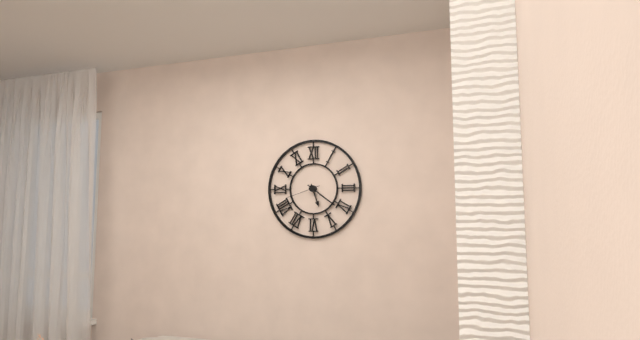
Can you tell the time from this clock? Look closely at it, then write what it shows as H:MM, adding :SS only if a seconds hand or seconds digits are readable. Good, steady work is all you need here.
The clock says 5:21
